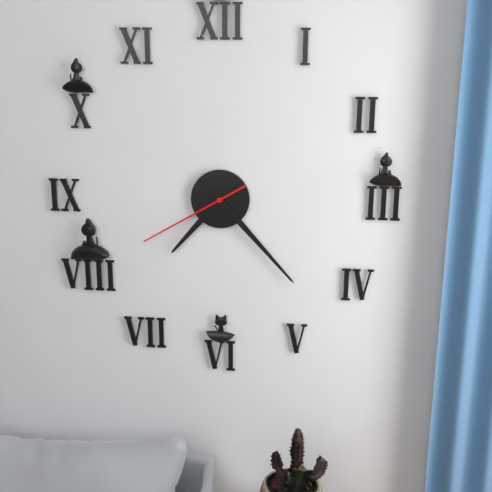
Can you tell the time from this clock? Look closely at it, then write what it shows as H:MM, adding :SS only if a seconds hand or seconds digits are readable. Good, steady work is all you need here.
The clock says 7:23:40
